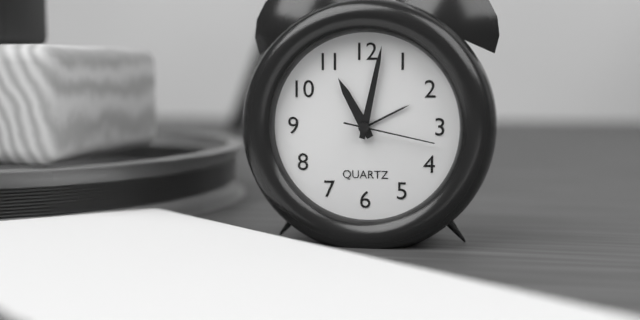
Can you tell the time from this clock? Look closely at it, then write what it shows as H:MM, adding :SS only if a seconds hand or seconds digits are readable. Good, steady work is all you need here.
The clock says 11:02:17
